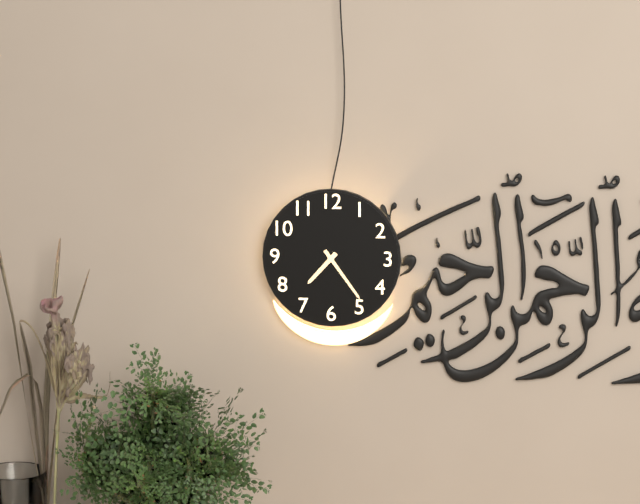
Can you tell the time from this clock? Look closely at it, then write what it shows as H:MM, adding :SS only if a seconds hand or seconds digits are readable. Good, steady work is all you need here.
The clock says 7:24
